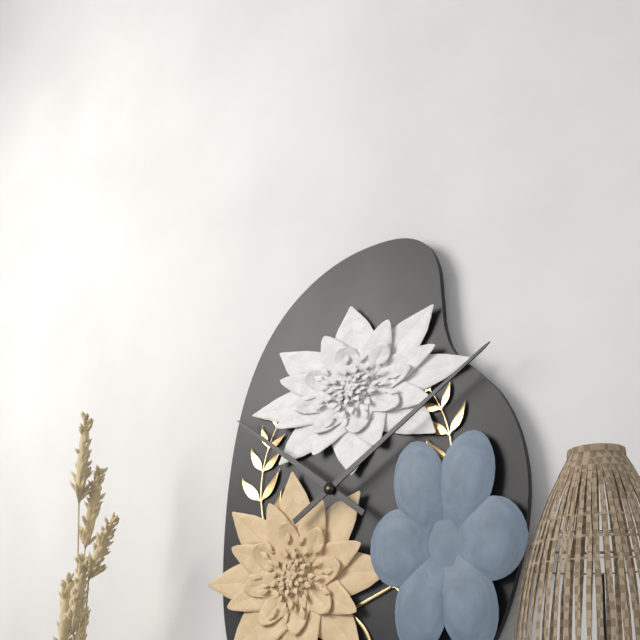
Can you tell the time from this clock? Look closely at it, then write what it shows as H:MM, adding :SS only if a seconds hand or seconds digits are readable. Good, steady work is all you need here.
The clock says 10:10
